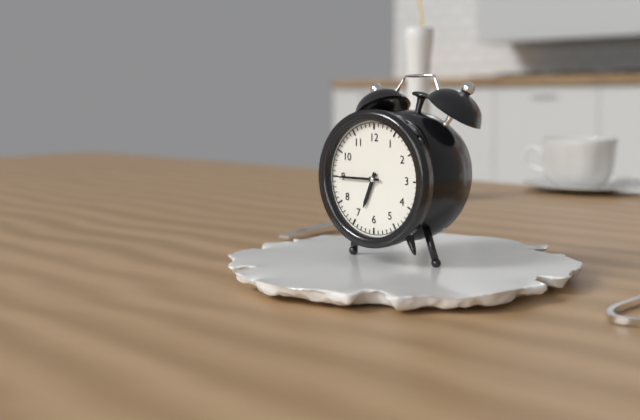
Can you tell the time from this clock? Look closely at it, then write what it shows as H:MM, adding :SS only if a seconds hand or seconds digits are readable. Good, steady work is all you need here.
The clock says 6:45
